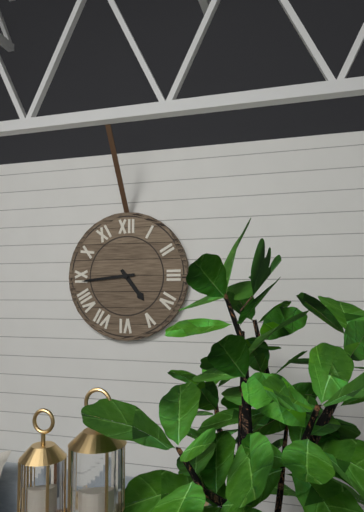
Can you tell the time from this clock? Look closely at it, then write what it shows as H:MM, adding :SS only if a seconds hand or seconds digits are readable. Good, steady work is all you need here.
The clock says 4:44
